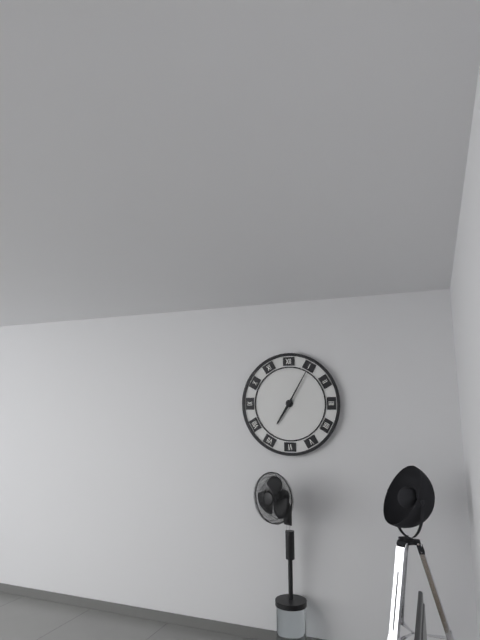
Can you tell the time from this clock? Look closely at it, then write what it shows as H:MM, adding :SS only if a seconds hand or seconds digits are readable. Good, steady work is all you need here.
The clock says 7:05
